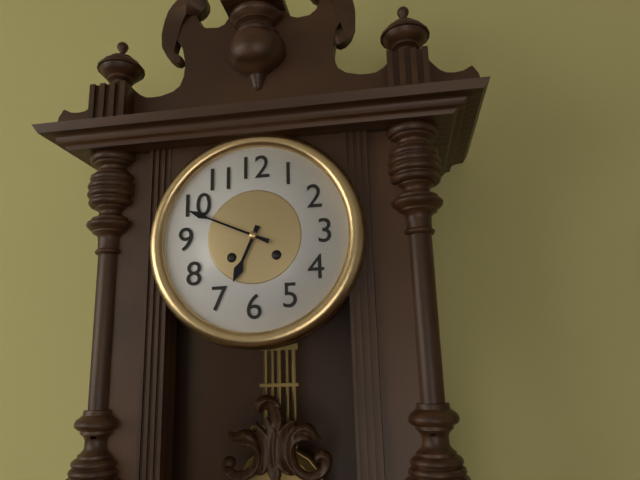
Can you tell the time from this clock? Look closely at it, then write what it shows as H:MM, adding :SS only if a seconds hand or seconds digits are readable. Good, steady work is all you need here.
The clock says 6:49
